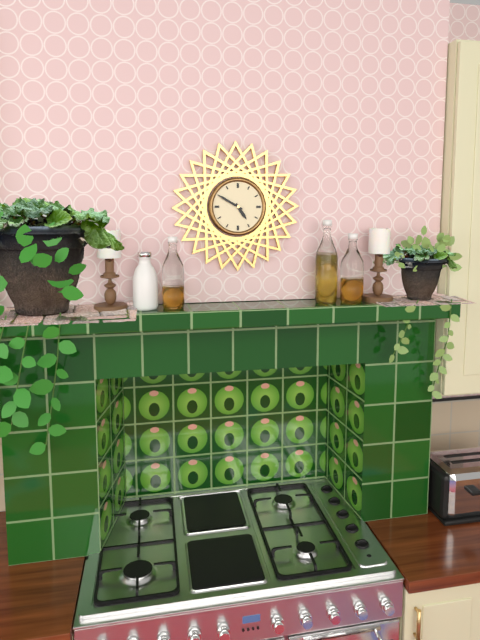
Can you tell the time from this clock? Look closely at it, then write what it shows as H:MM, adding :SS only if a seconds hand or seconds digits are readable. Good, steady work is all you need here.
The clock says 4:50
